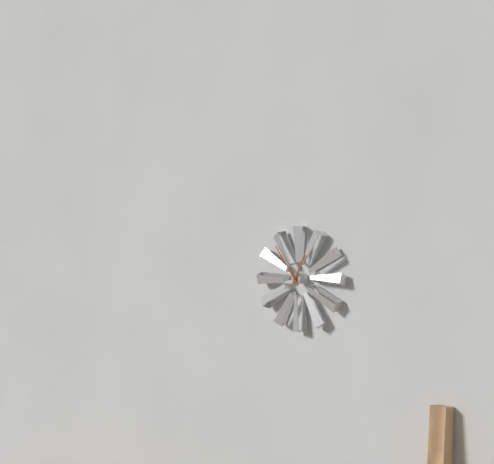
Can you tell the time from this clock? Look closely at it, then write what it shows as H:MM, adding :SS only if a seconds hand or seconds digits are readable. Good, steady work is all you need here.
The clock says 12:54
